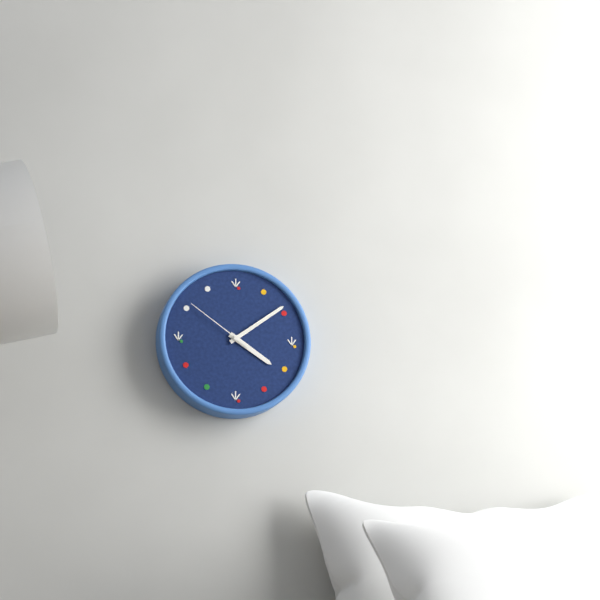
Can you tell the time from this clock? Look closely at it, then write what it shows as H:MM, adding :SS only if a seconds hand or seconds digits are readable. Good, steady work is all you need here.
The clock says 4:09:51
